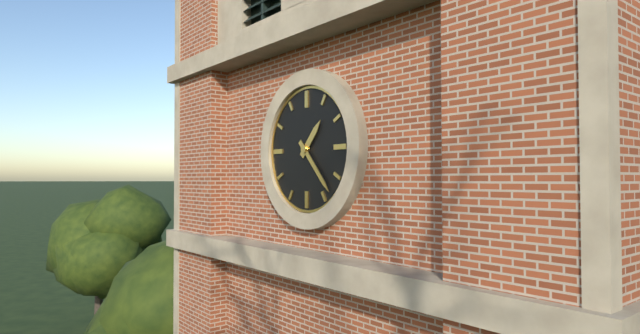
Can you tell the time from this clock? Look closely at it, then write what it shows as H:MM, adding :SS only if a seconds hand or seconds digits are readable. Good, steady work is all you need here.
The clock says 1:23
